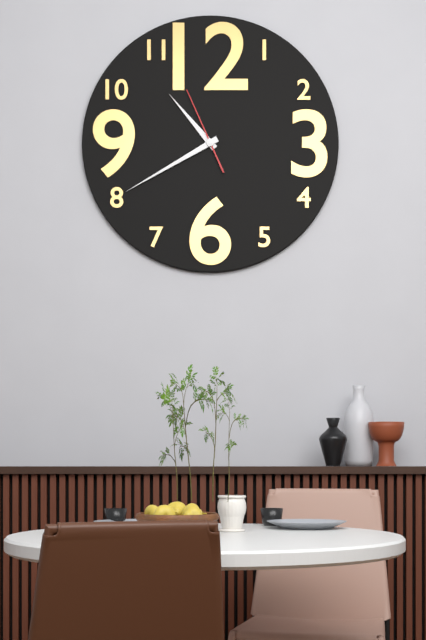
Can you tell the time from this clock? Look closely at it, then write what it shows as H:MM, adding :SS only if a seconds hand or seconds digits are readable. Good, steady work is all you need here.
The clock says 10:40:56
